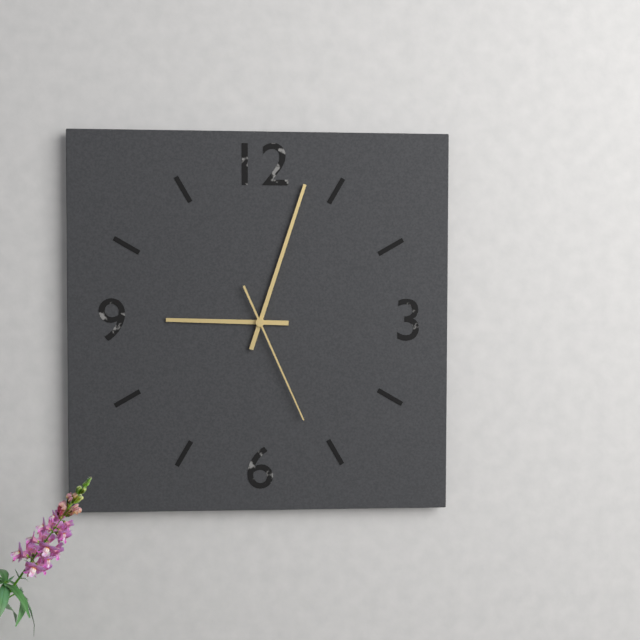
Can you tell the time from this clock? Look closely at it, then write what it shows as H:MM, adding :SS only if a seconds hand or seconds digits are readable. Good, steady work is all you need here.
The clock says 9:03:26
